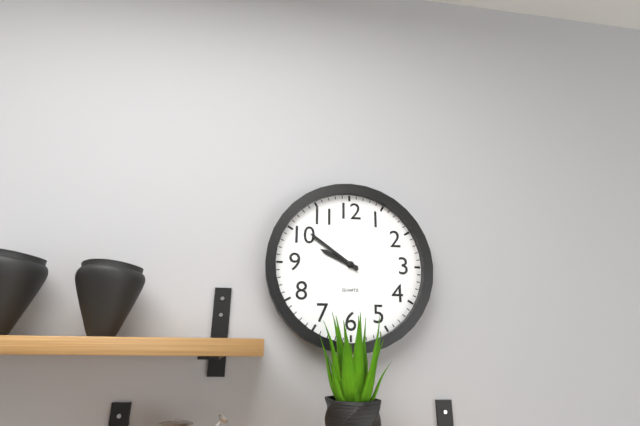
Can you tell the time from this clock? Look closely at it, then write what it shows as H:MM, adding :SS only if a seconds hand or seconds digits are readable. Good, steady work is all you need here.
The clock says 9:51
